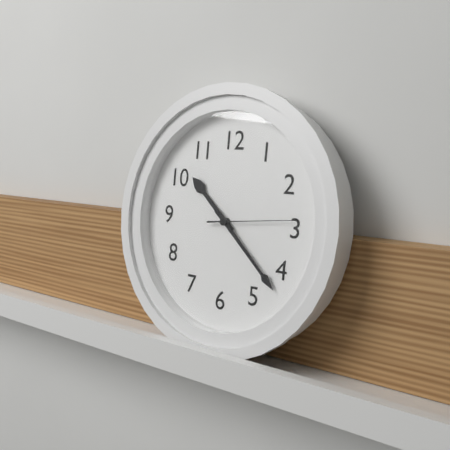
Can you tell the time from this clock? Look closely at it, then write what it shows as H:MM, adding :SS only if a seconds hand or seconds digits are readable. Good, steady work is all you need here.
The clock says 10:22:14
